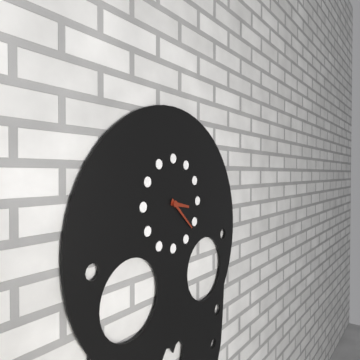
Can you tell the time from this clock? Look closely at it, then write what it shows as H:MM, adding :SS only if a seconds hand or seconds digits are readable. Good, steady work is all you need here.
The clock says 3:22
